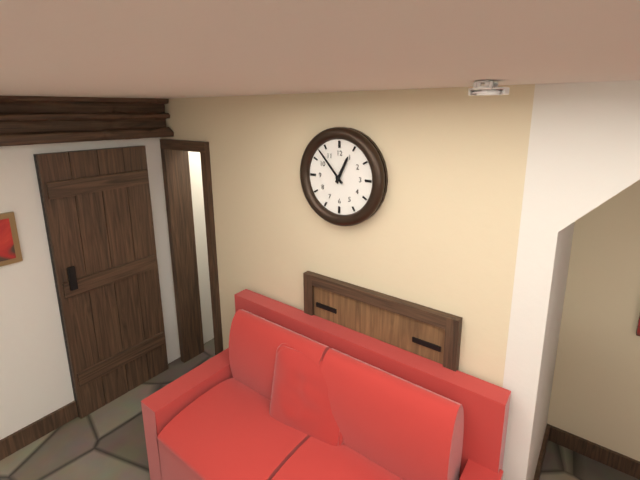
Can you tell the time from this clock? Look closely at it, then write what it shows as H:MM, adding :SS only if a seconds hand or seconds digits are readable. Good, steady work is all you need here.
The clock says 12:53
